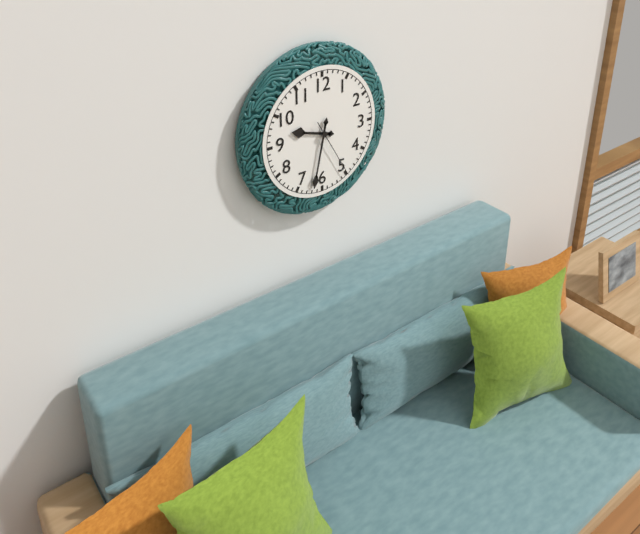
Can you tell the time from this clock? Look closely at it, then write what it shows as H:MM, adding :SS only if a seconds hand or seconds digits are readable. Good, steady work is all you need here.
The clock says 9:32:25
